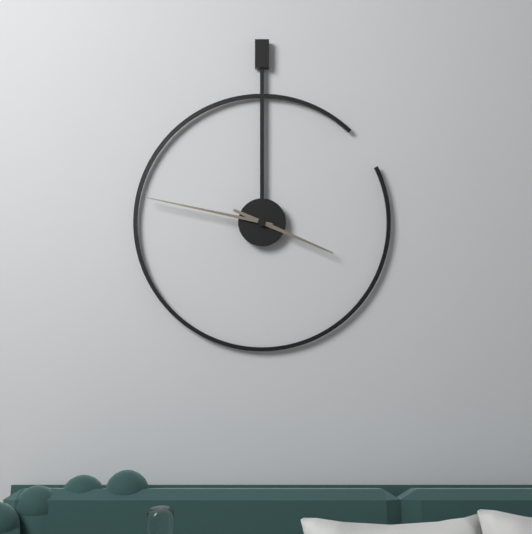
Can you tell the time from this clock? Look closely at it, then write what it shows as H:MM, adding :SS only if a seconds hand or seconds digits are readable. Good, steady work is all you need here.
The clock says 3:47
